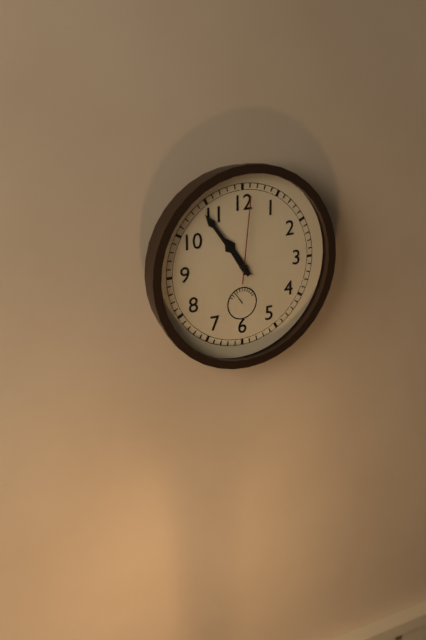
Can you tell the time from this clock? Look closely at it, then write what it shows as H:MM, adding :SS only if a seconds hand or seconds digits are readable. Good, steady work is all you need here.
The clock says 10:54:01
